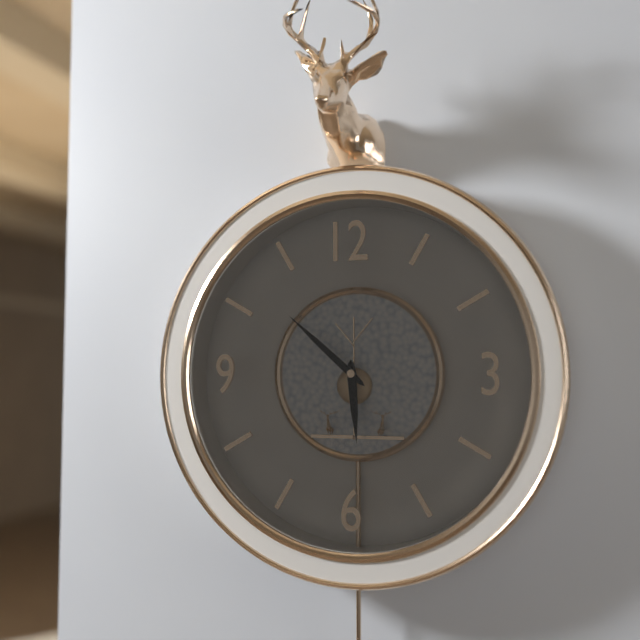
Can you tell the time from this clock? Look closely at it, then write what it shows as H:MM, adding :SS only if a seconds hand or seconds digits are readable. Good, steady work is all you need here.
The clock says 5:52
